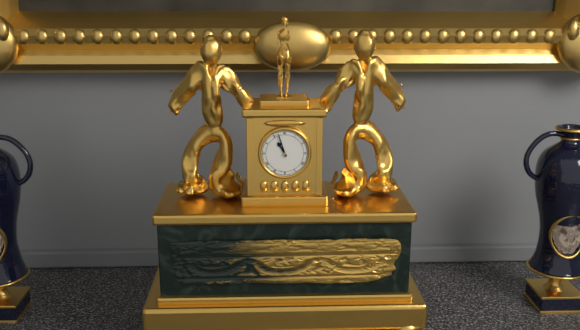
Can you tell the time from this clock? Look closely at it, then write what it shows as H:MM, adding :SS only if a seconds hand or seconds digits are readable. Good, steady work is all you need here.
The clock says 10:57
